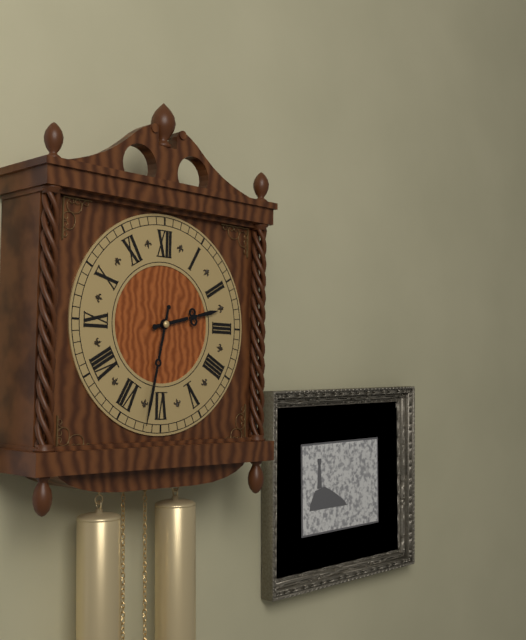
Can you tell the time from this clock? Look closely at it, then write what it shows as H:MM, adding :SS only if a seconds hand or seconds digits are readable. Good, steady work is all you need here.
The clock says 2:32
